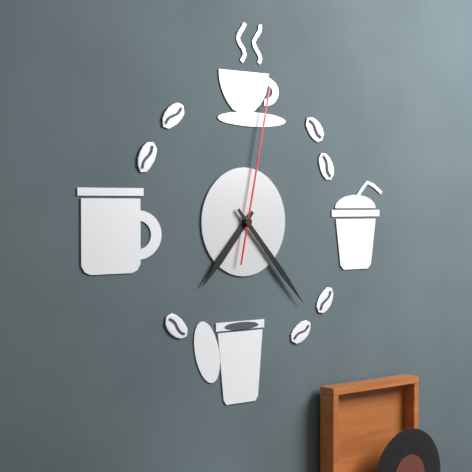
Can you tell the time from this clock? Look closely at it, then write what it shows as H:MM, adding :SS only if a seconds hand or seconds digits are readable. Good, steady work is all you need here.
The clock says 7:23:02
